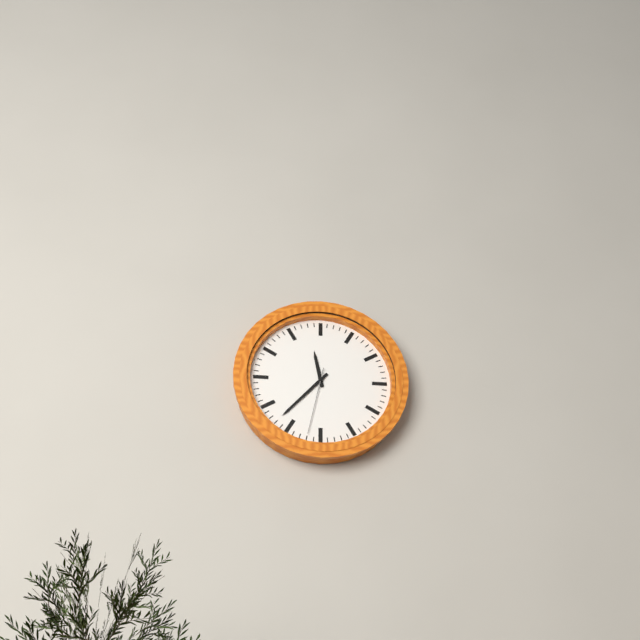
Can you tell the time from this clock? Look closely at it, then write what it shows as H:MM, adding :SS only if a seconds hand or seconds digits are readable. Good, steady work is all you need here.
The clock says 11:37:32
